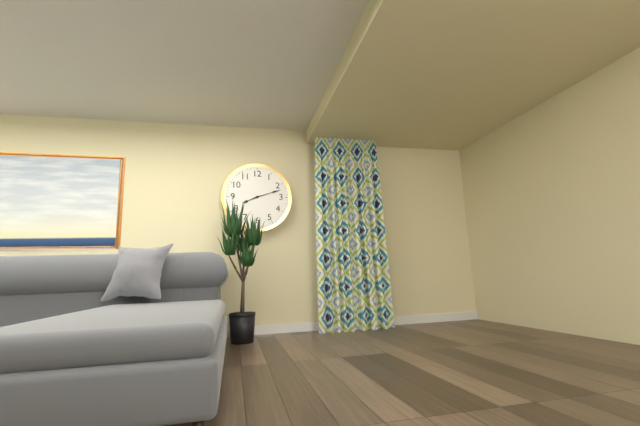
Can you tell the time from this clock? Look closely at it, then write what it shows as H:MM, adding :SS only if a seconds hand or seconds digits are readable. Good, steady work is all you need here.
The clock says 8:12
